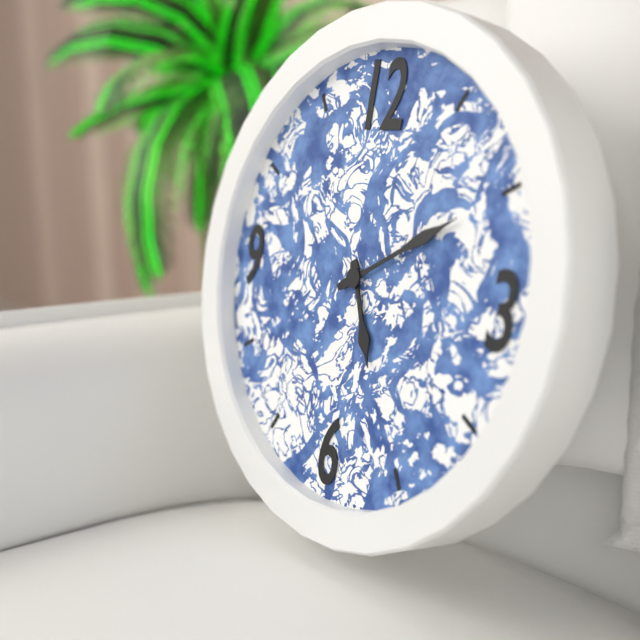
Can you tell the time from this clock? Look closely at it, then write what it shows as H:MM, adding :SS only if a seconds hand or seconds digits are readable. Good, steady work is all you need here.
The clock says 5:10
